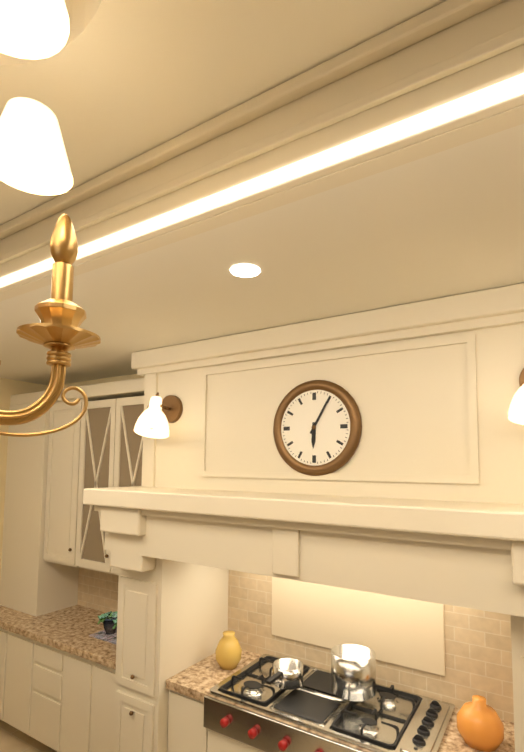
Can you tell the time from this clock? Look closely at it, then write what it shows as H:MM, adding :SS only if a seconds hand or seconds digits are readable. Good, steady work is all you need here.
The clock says 6:05
